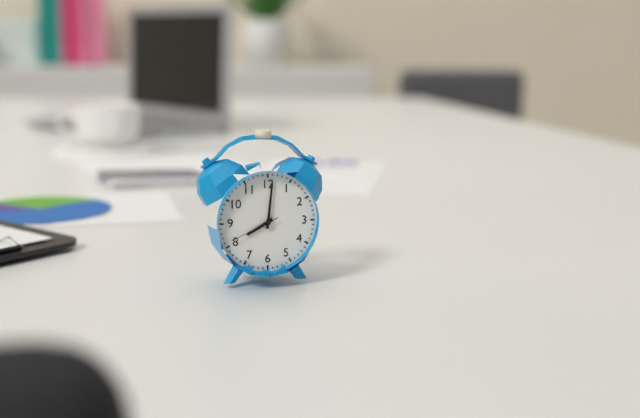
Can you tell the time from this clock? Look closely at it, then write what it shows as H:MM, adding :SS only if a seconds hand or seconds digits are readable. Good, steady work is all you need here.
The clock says 8:01:41
